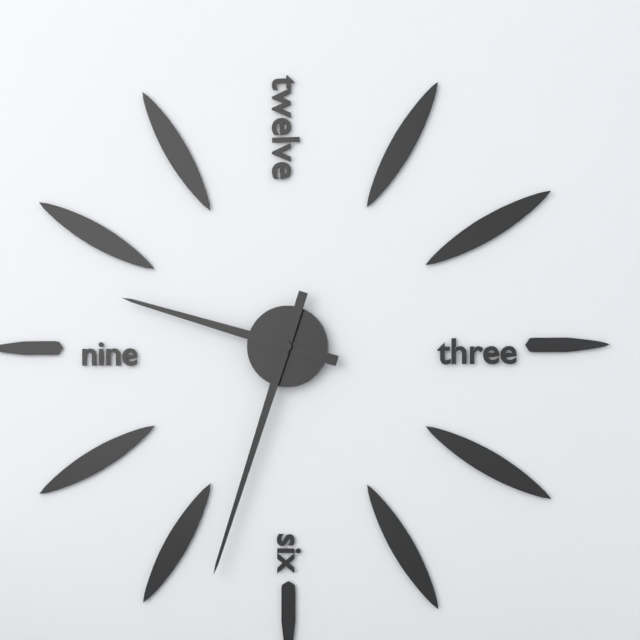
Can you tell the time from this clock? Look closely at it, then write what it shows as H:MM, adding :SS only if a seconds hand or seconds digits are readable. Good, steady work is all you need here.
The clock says 9:33
